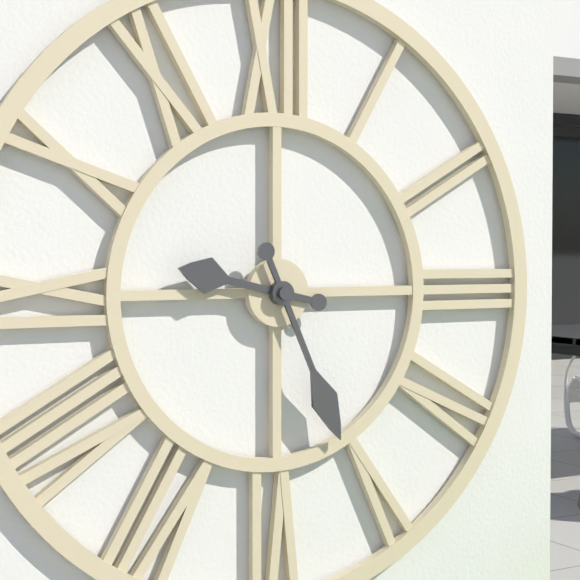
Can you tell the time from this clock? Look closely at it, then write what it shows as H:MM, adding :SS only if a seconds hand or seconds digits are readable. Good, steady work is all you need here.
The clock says 9:26
